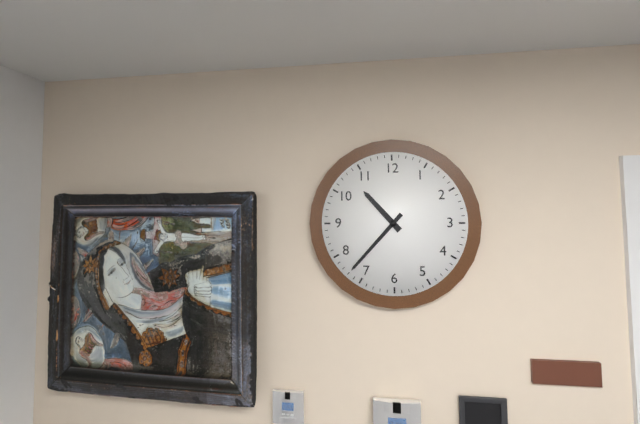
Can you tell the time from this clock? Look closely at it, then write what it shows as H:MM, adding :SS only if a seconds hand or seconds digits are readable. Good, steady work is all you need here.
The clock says 10:37
